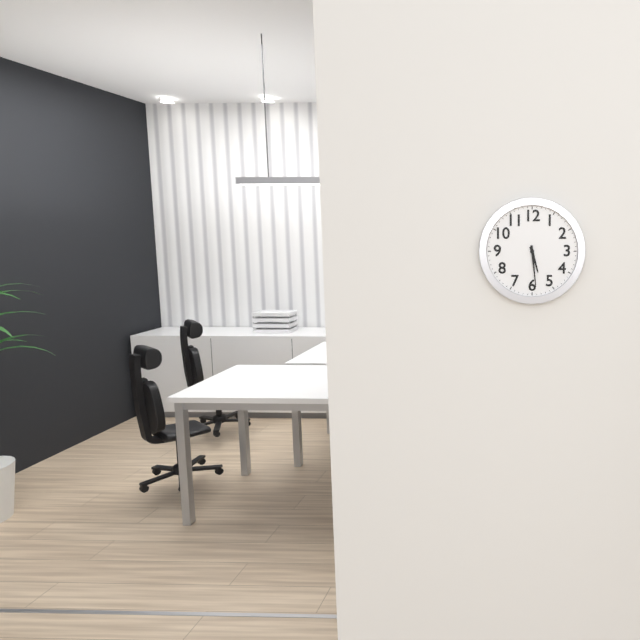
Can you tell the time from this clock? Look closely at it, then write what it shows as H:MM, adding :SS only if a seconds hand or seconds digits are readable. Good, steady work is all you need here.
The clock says 5:29
